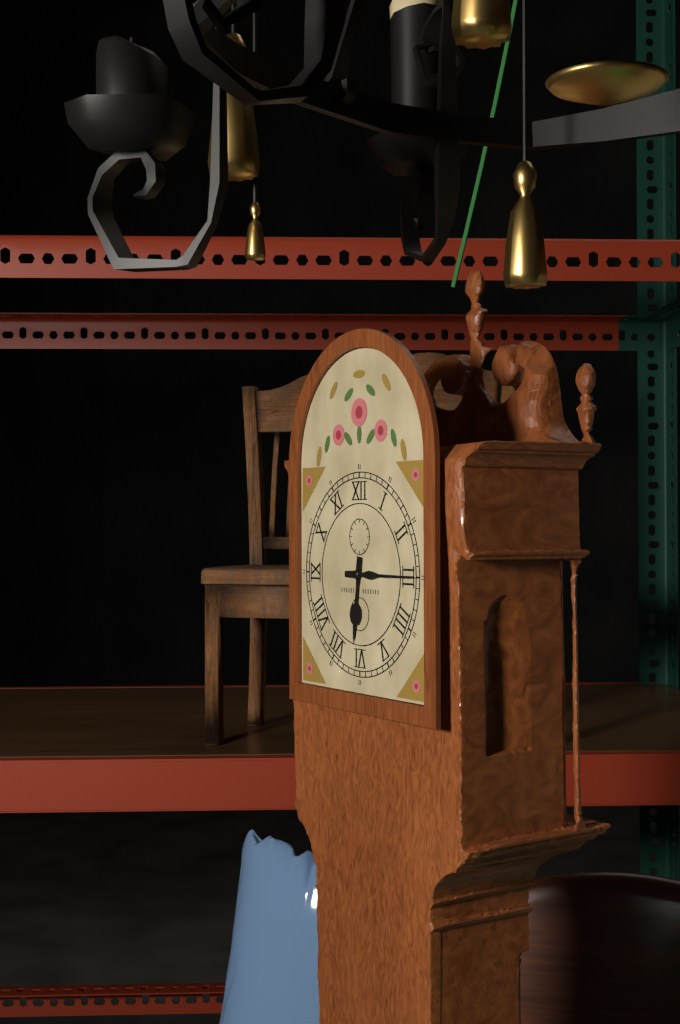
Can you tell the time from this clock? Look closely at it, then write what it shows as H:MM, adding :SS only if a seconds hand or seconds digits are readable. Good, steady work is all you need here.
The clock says 6:15
